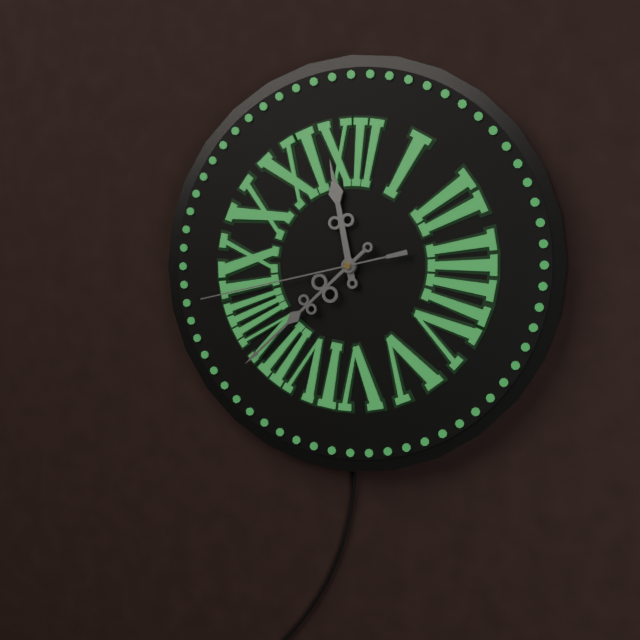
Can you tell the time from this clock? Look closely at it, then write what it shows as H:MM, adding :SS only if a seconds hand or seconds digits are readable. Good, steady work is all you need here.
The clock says 11:38:43
